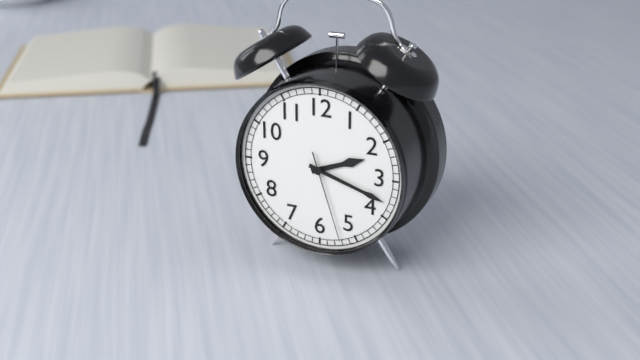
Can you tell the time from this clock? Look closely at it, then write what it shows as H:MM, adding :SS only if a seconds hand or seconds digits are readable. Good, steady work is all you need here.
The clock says 2:18:27
